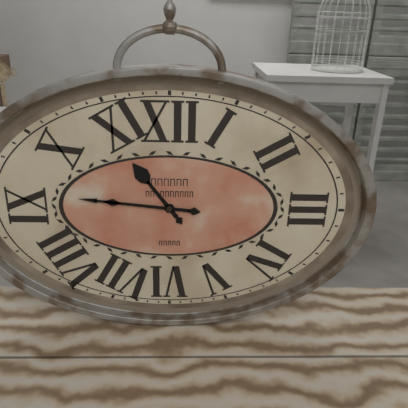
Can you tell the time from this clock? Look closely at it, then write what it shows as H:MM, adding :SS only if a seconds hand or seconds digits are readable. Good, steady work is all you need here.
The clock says 10:46
